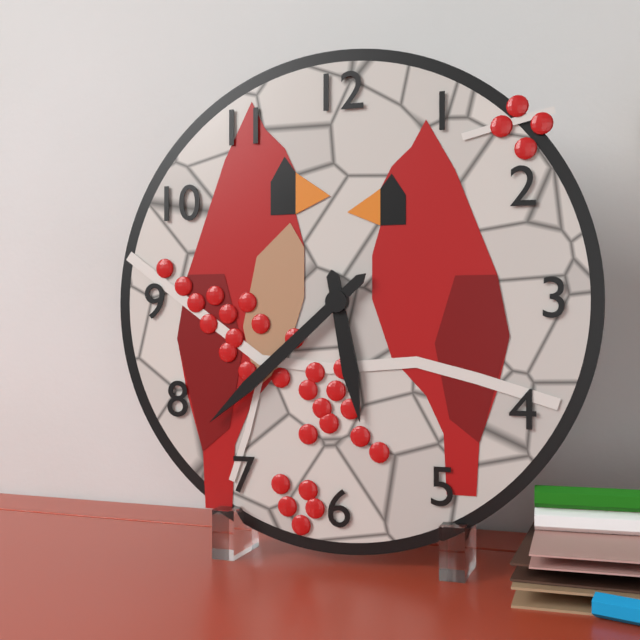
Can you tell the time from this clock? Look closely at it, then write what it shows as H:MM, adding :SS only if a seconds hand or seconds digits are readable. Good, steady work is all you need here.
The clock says 5:38
